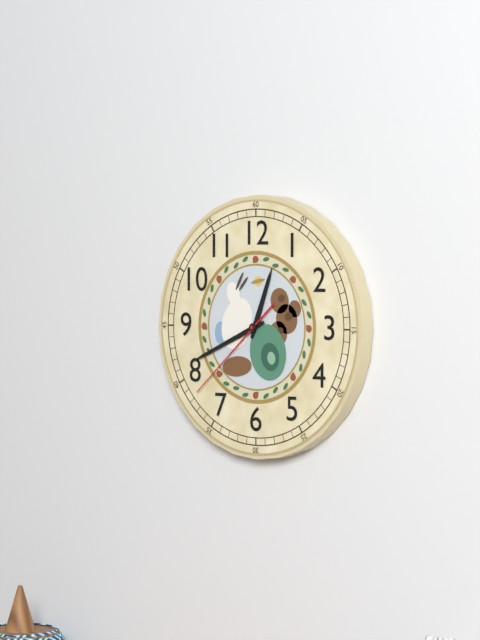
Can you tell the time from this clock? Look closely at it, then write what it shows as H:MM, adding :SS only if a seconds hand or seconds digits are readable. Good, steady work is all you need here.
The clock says 12:41:38
